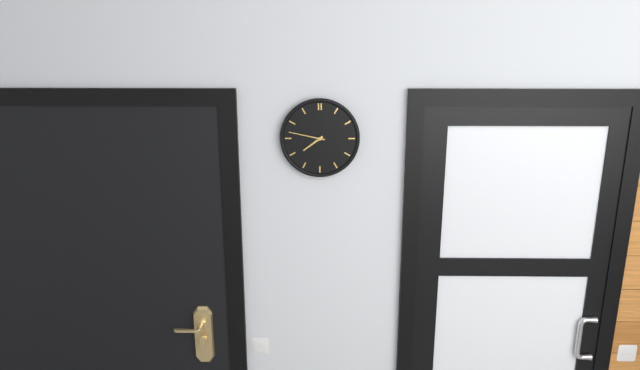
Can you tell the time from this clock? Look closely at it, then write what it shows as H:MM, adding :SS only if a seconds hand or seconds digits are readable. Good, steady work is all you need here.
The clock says 7:47
